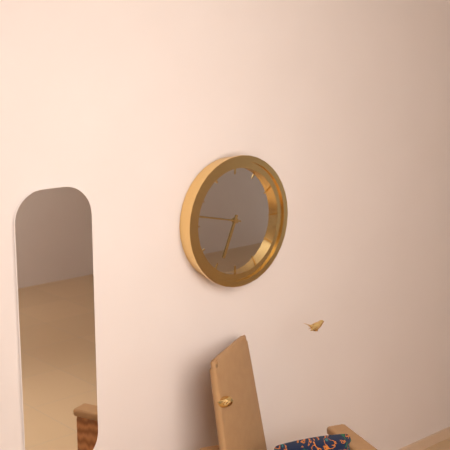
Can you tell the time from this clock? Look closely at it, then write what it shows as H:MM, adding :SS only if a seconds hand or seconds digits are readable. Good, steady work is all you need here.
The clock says 6:47
